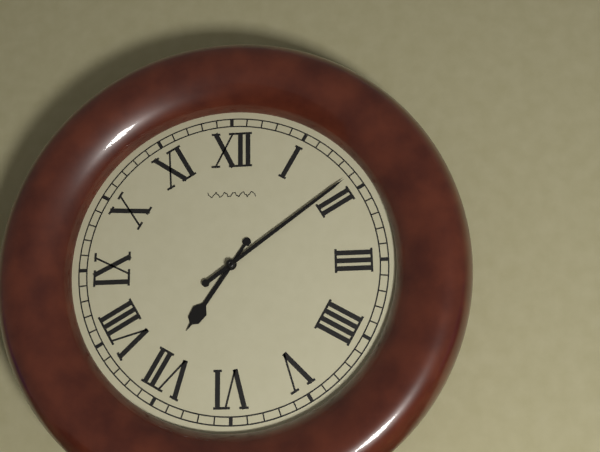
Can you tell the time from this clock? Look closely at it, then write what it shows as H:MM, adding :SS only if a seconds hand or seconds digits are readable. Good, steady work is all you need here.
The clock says 7:09
